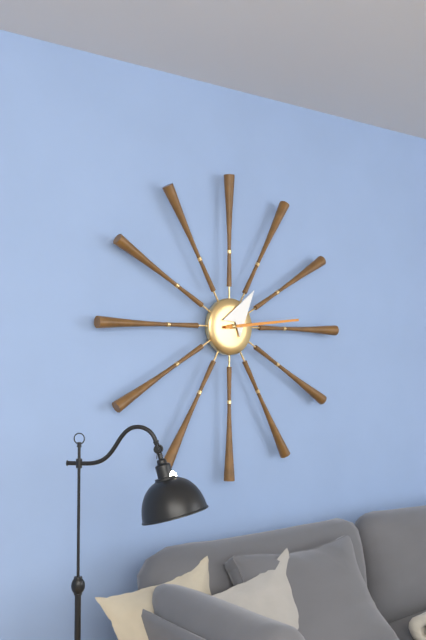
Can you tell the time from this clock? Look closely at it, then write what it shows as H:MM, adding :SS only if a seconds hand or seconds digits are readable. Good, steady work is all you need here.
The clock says 1:14
